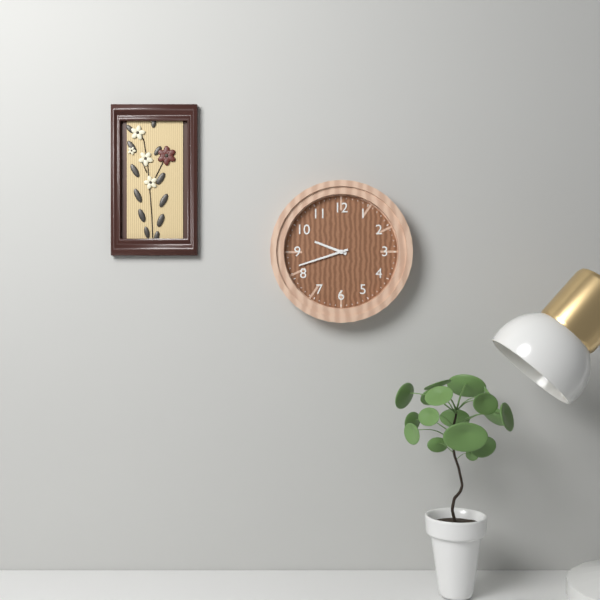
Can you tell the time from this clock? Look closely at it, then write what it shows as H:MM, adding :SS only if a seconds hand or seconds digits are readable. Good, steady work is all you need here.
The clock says 9:42
